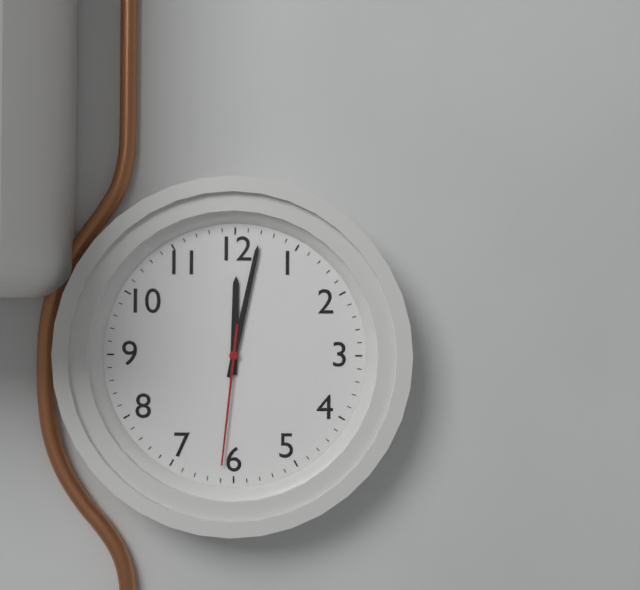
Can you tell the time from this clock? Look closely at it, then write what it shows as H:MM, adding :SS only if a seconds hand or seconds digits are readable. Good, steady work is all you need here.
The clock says 12:02:31
